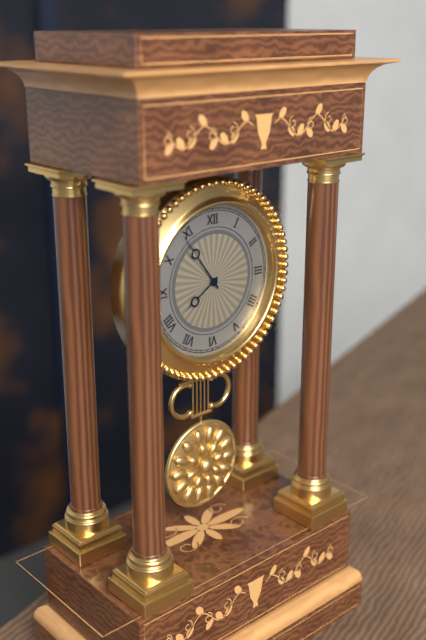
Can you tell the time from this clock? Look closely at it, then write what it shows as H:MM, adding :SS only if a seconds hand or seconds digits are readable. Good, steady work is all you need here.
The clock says 7:54
